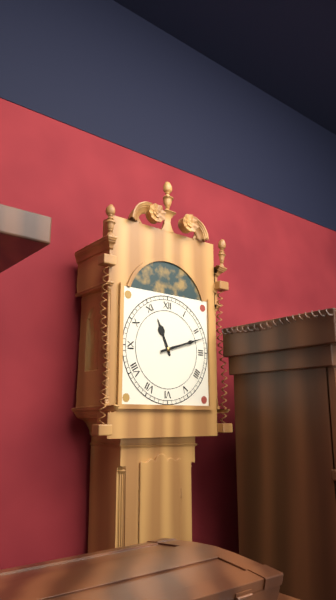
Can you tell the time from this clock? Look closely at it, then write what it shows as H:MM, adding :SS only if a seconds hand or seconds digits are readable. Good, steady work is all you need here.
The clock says 11:12
